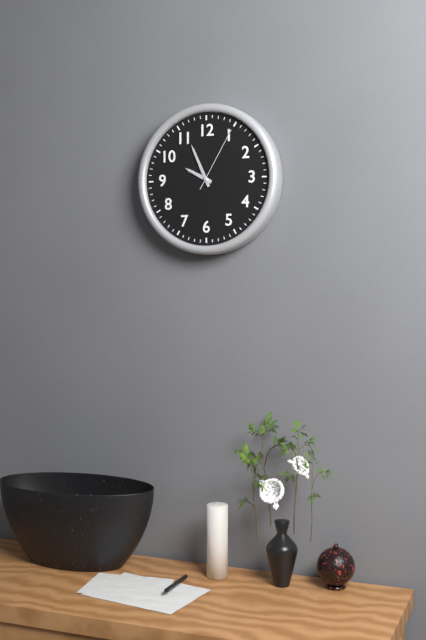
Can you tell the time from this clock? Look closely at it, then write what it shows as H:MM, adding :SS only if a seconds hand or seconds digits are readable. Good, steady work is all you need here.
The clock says 9:56:05
